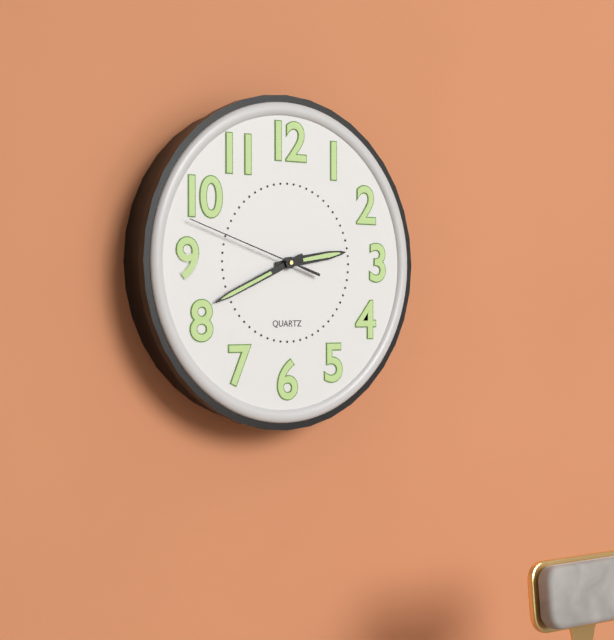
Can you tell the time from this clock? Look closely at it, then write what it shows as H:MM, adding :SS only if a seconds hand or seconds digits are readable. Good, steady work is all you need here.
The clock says 2:41:48
